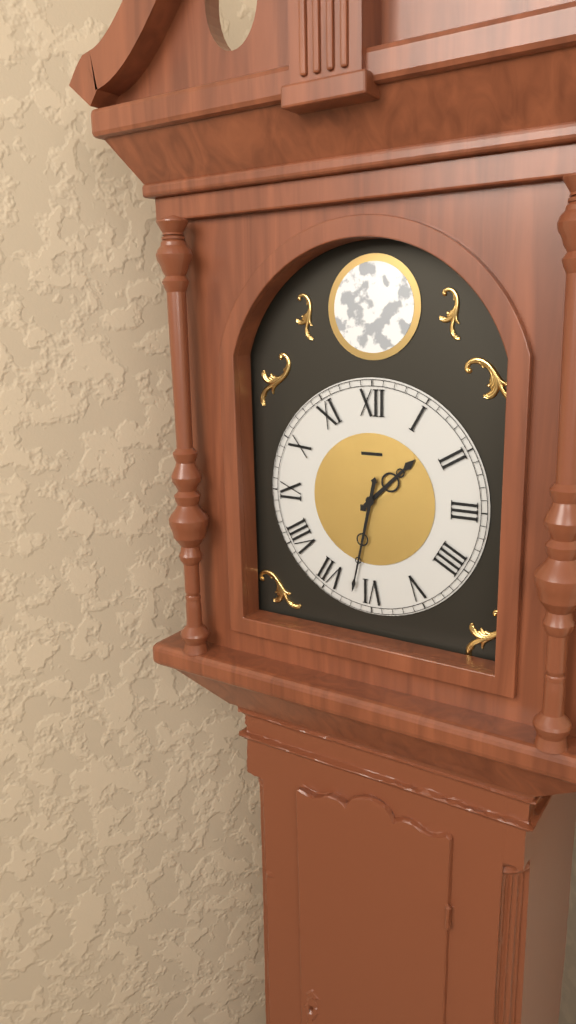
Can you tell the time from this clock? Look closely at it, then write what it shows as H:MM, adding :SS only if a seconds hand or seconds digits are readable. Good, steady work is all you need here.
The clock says 1:32
